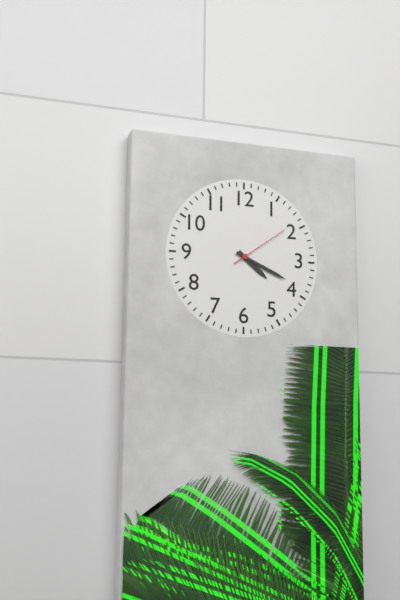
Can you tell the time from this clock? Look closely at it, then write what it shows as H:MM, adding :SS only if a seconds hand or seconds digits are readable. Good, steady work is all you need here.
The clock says 4:19:09
